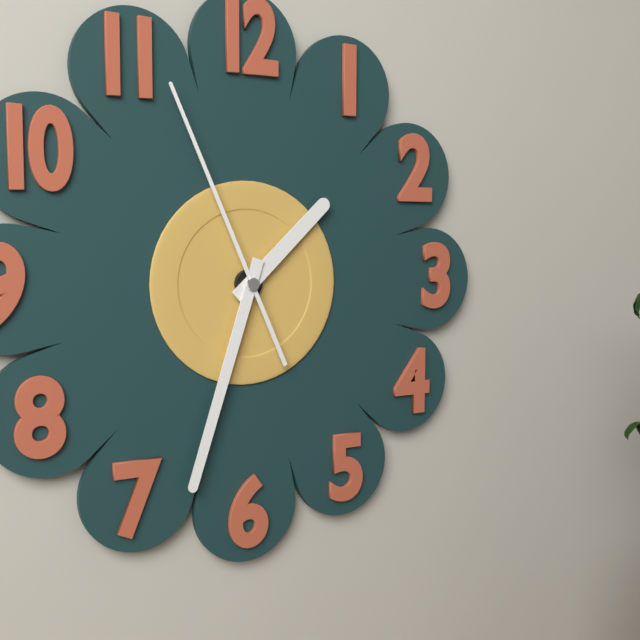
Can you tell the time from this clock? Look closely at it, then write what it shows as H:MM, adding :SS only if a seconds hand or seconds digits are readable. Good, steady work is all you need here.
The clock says 1:33:56
